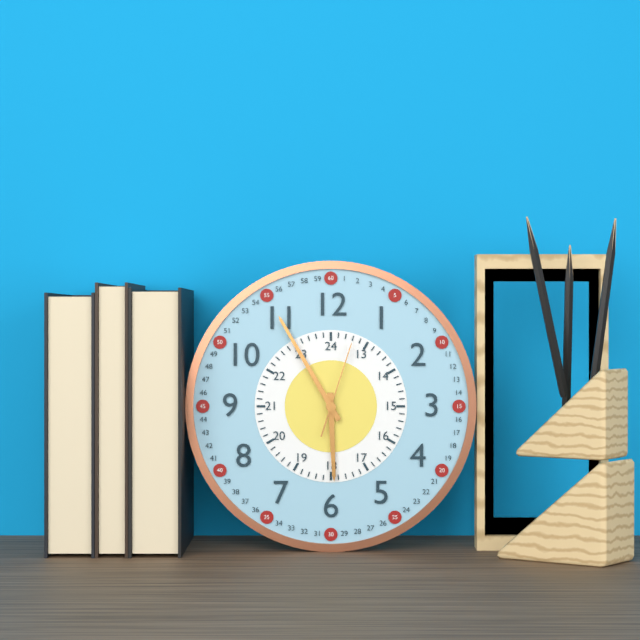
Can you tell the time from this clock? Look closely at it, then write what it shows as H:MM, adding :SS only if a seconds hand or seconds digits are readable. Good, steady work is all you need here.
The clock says 5:55:03
